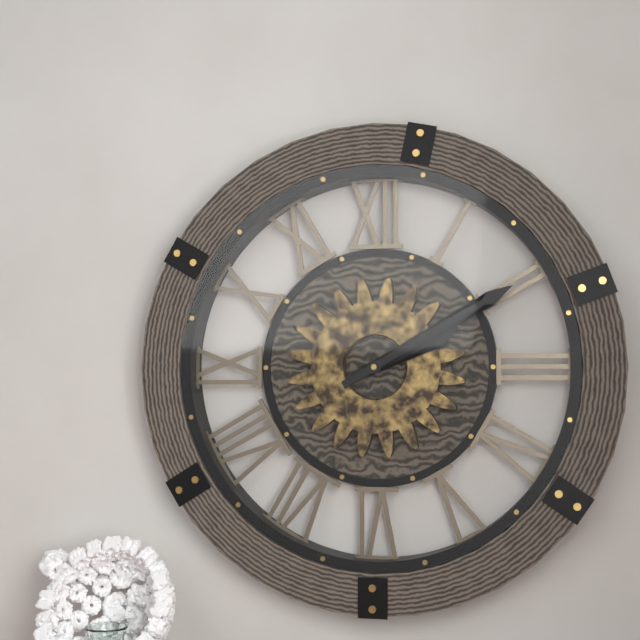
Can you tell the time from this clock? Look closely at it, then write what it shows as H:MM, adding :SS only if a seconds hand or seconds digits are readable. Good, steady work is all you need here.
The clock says 2:10
